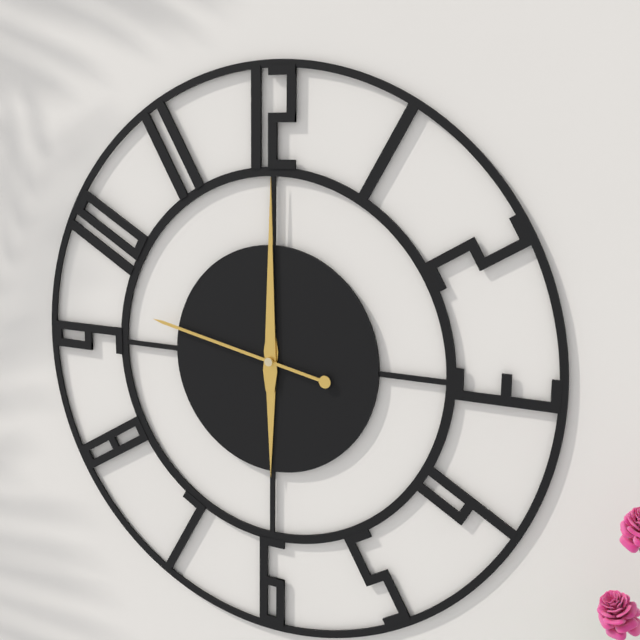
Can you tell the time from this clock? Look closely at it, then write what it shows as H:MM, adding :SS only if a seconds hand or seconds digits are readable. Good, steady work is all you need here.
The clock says 6:00:47
